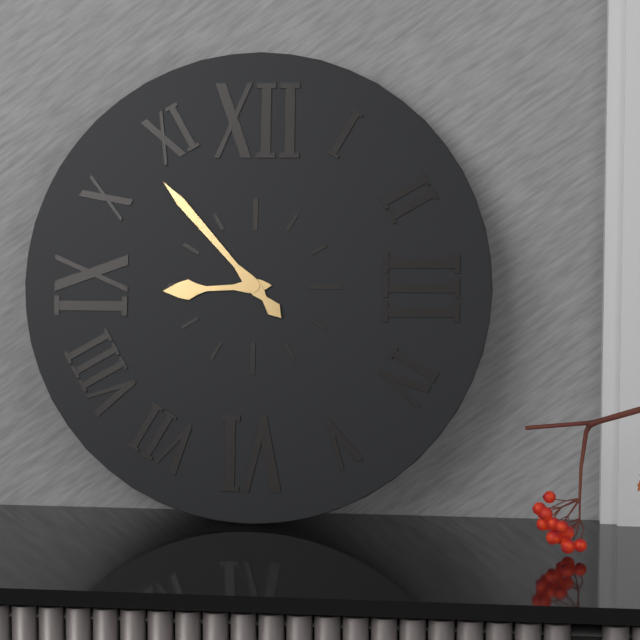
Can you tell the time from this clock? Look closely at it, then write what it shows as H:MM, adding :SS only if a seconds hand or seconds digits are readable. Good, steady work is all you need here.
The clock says 8:53
